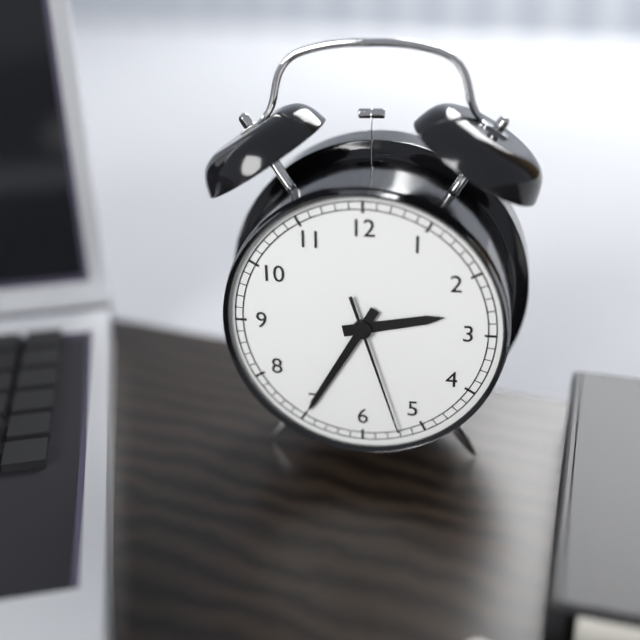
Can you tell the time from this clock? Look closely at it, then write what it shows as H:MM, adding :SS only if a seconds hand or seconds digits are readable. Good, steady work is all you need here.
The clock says 2:35:27
